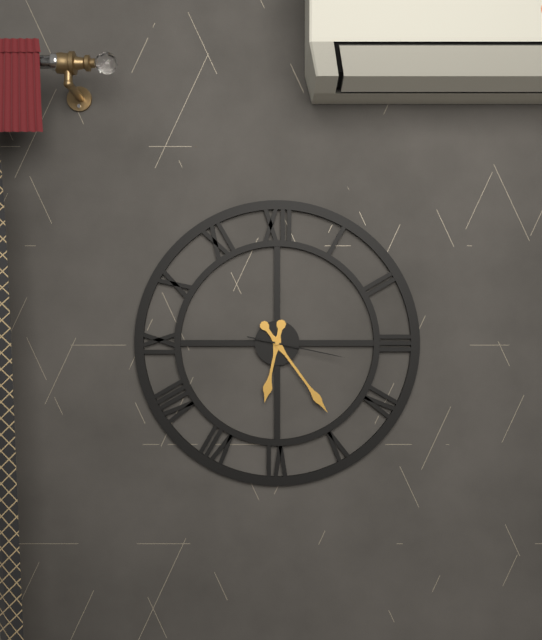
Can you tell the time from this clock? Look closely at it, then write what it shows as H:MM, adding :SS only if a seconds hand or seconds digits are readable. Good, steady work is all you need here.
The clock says 6:24:17
